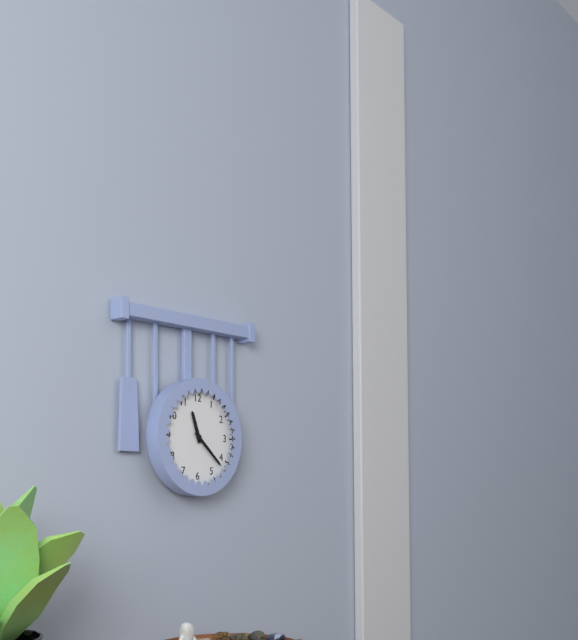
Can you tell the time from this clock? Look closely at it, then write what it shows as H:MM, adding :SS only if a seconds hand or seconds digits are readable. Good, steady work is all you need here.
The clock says 11:22
